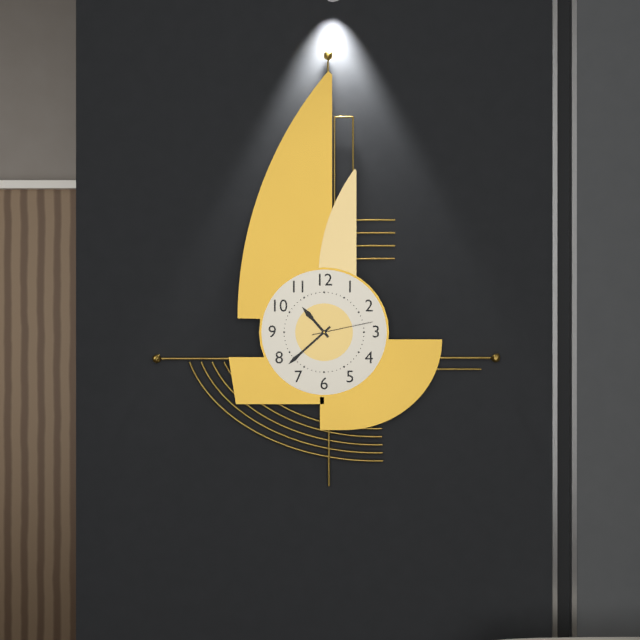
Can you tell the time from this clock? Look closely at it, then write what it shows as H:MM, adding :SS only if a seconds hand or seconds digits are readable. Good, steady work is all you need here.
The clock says 10:38:13
